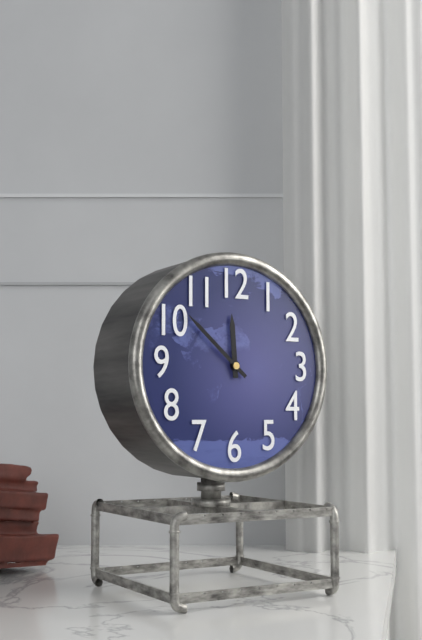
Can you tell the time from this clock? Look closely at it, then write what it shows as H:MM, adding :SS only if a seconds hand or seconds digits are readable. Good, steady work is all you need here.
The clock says 11:52
